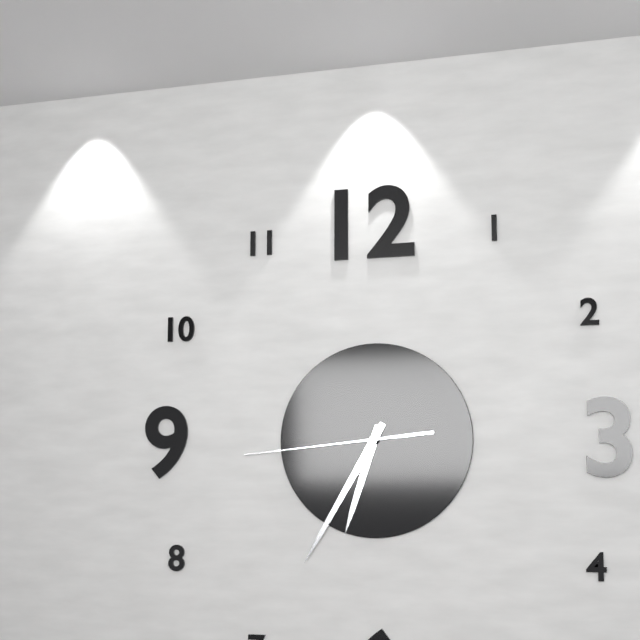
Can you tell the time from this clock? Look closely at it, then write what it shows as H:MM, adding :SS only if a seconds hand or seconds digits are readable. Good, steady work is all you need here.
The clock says 6:35:44
